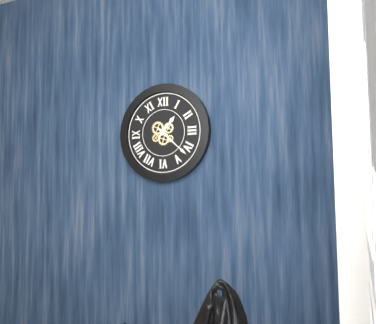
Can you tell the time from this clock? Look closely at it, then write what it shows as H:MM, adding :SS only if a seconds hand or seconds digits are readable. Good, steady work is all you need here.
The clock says 1:22
